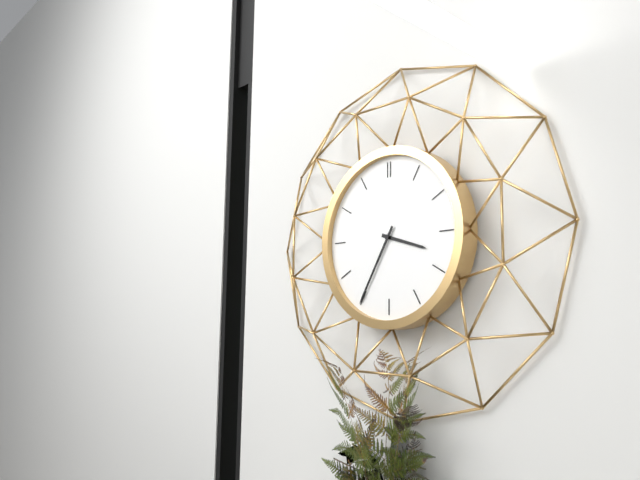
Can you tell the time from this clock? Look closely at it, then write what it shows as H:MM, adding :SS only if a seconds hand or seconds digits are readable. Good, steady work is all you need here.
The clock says 3:35
